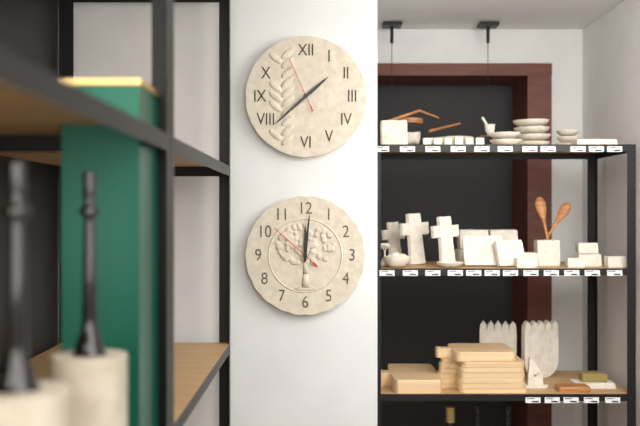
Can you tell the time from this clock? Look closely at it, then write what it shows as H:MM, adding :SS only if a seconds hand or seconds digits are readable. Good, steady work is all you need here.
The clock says 1:38:56
